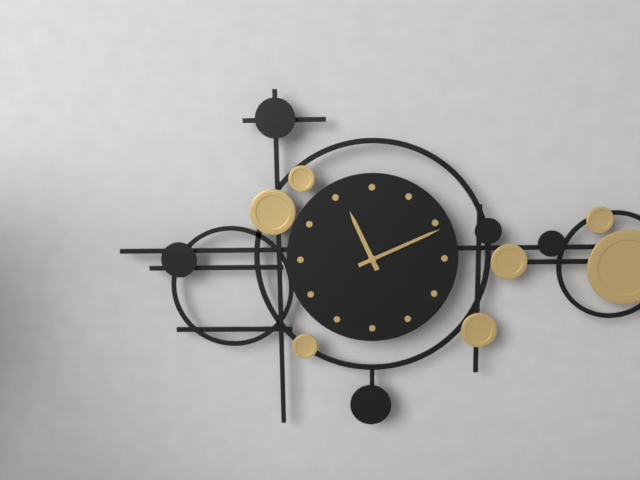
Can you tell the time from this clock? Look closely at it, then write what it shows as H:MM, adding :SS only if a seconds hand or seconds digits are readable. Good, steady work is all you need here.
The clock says 11:11
